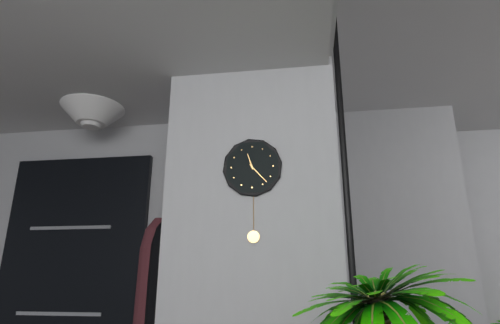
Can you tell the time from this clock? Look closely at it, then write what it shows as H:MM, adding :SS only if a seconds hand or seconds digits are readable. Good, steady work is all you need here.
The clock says 11:23
